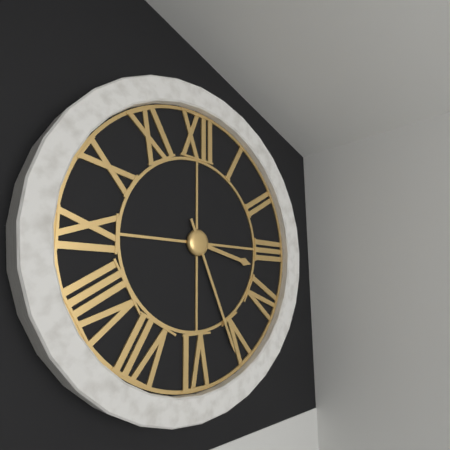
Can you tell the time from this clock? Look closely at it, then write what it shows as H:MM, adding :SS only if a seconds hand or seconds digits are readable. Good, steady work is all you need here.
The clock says 3:26
